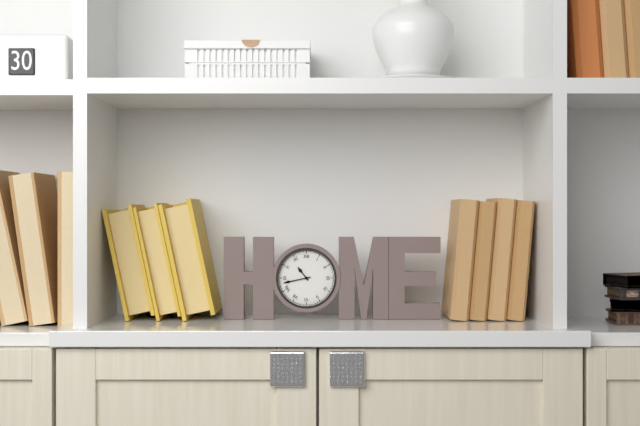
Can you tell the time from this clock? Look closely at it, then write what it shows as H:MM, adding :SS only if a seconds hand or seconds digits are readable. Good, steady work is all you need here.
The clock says 10:43
